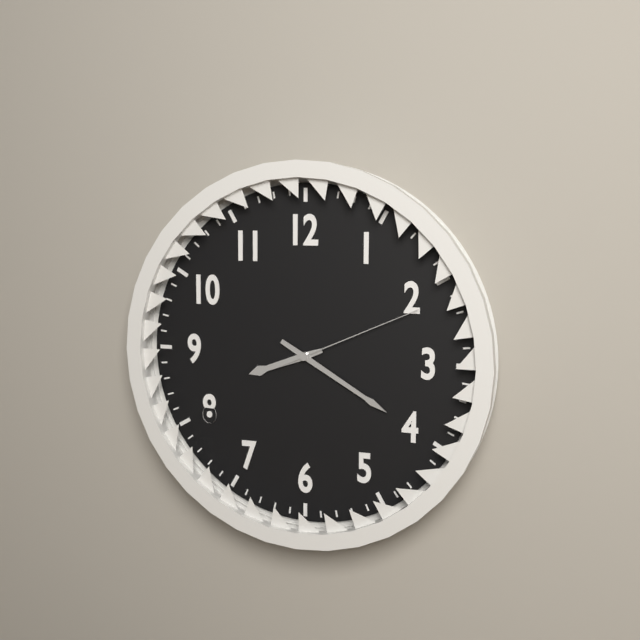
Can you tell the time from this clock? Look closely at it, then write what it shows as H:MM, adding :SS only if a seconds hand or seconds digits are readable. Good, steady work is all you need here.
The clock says 8:20:11
